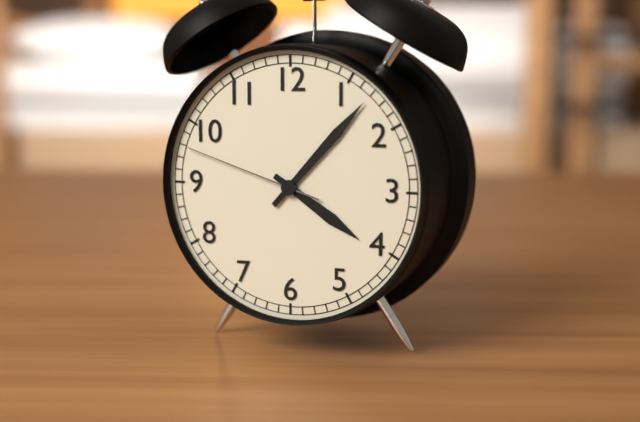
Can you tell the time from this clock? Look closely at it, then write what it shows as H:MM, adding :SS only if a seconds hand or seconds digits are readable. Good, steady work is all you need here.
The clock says 4:07:48
